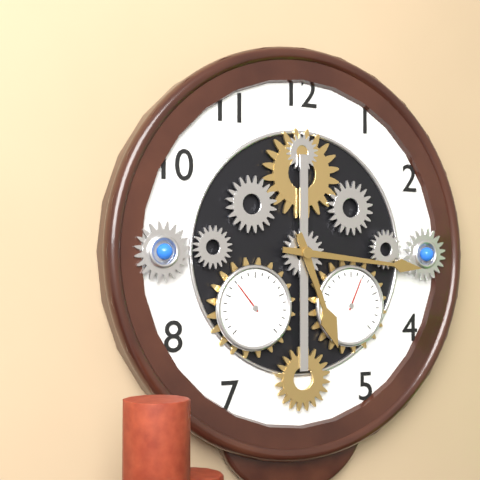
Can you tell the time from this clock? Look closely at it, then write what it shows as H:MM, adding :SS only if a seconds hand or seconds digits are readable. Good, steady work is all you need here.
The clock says 5:16
